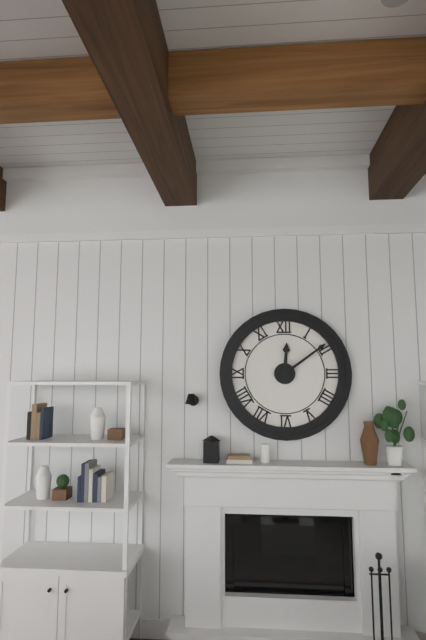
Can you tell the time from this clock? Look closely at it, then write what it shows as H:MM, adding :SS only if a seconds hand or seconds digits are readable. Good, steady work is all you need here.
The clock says 12:09
